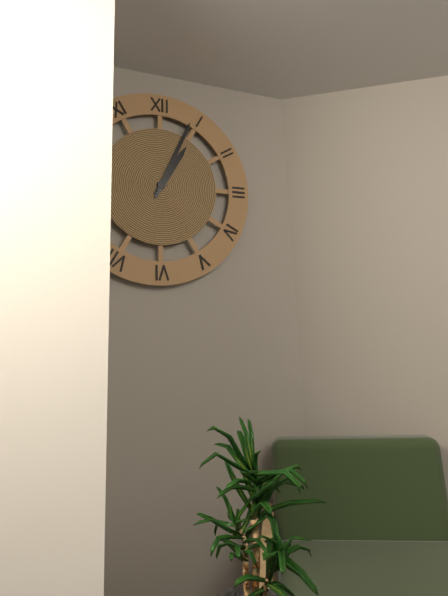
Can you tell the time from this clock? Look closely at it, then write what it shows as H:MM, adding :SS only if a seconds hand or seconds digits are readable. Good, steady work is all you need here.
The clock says 1:04
